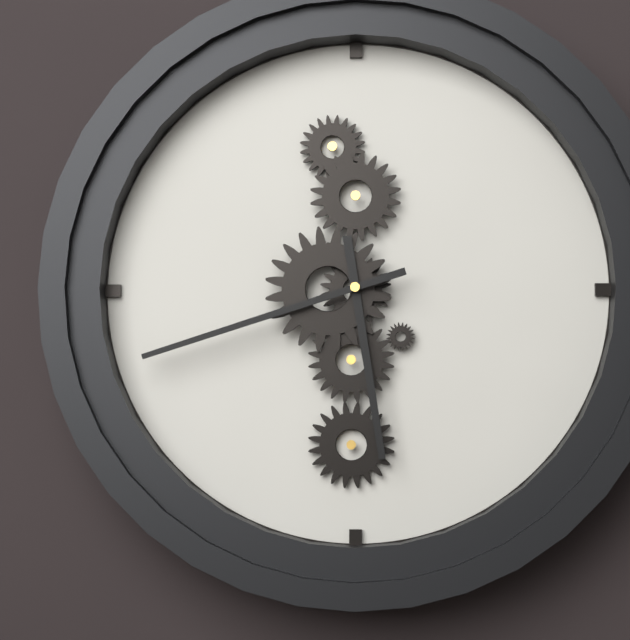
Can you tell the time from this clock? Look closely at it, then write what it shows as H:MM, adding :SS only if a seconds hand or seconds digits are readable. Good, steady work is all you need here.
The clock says 5:42
